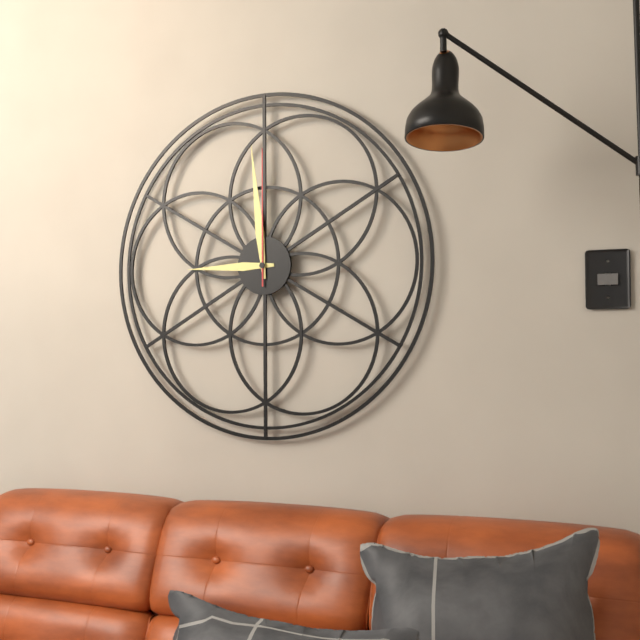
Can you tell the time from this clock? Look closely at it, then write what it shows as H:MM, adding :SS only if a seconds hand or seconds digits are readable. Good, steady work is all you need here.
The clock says 8:59:00
